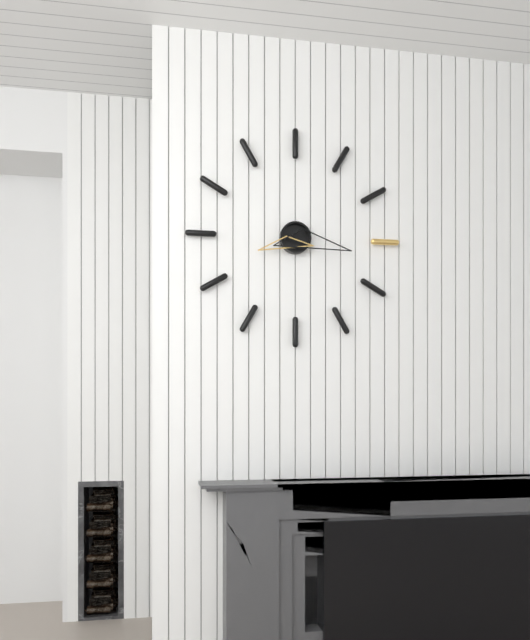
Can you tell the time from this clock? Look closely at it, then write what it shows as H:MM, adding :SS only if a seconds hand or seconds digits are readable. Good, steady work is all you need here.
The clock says 8:17
